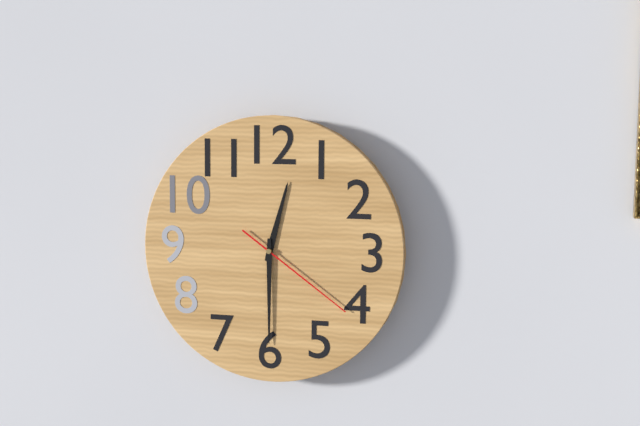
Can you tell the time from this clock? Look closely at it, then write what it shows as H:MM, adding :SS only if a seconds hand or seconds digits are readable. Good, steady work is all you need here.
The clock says 12:30:21
